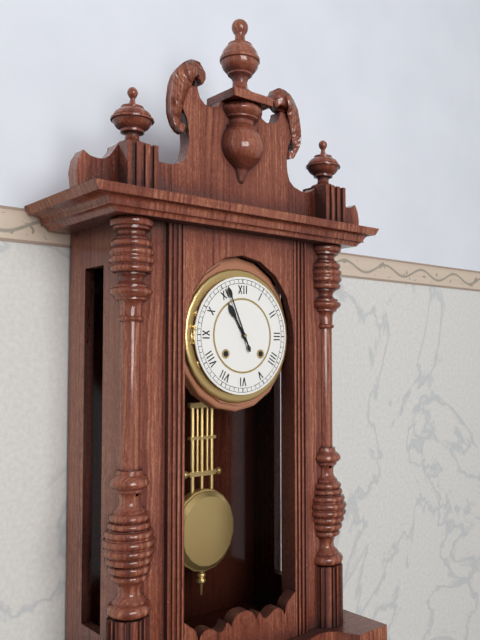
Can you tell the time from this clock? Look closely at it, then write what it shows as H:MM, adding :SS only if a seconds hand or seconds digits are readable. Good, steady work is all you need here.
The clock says 10:56
